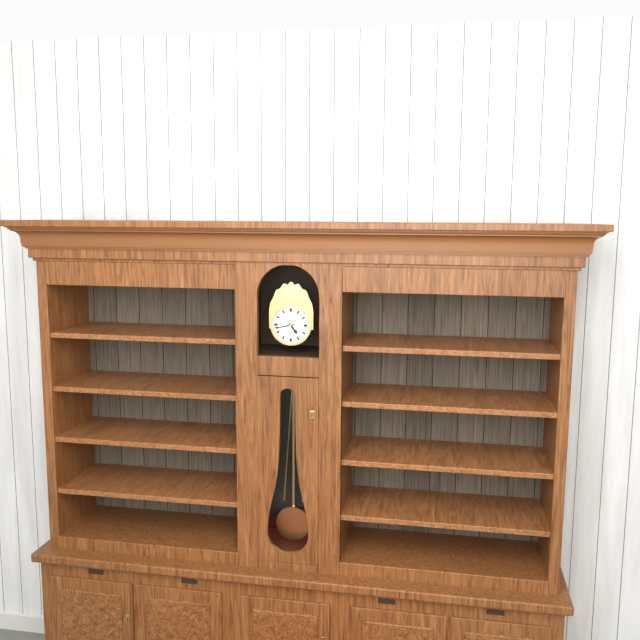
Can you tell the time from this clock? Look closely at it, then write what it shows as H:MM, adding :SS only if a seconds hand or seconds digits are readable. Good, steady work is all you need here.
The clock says 4:43
